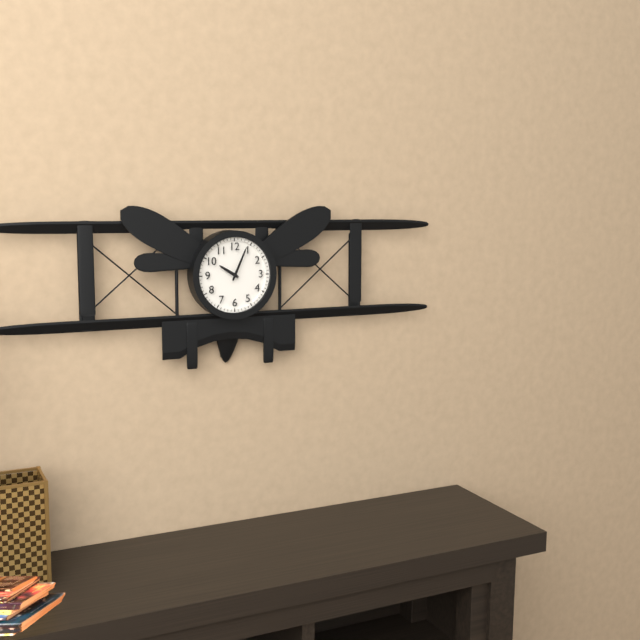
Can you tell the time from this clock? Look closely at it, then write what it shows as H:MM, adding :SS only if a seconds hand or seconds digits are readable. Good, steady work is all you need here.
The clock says 10:04
